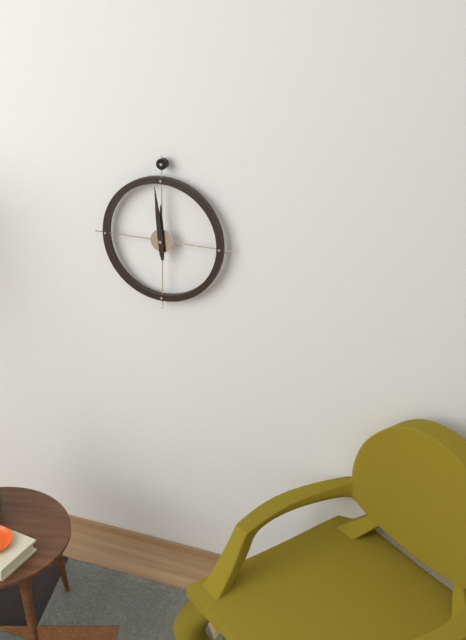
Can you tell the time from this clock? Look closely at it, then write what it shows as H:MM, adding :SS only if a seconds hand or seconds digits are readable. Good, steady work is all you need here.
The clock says 11:59
